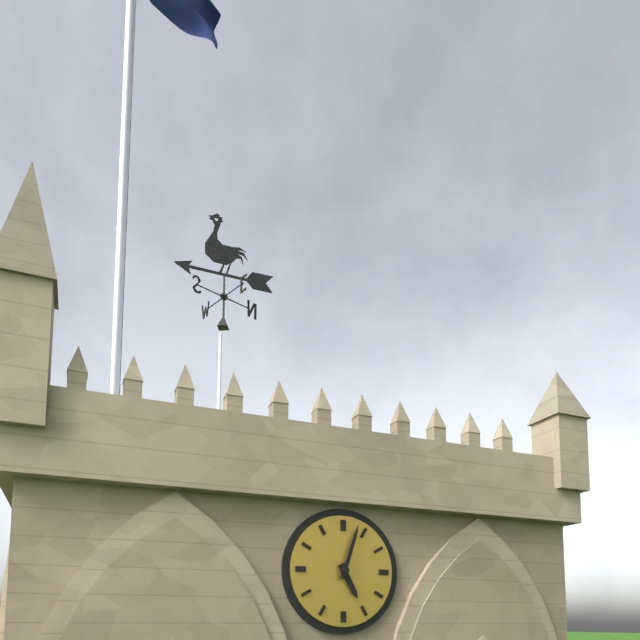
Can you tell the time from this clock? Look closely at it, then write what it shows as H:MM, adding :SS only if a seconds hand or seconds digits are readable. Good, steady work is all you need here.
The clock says 5:03
